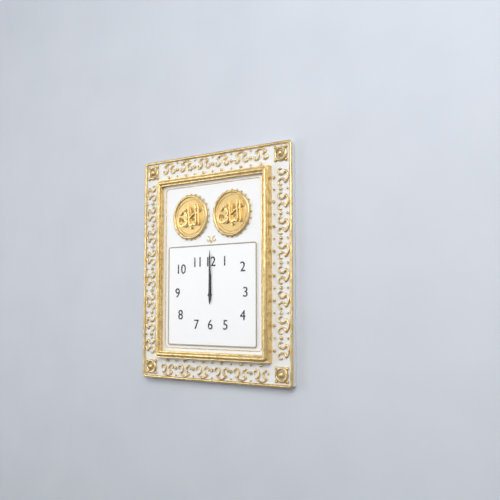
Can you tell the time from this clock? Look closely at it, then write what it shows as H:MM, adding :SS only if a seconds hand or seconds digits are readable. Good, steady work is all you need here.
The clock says 12:00
